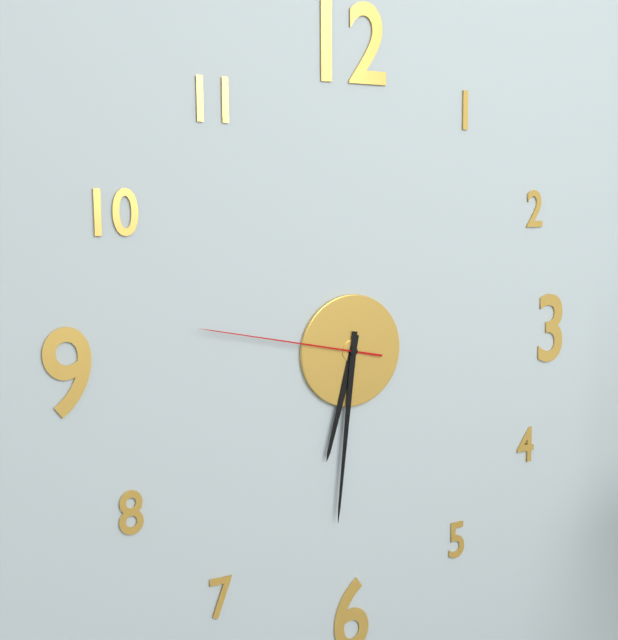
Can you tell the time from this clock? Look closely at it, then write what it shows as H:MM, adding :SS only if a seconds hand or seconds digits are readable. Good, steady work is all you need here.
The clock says 6:31:47
